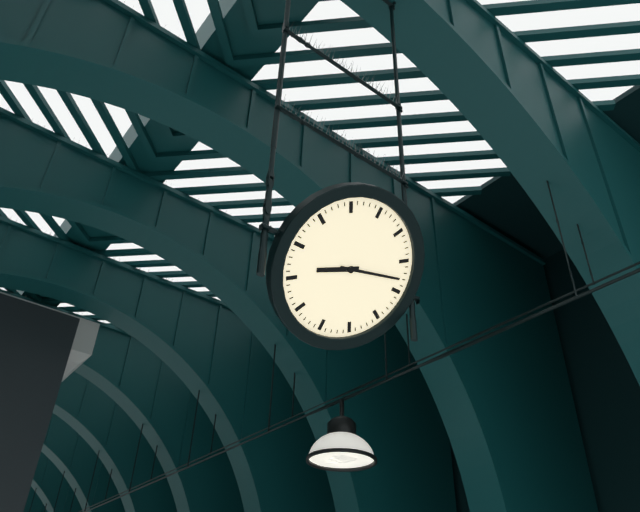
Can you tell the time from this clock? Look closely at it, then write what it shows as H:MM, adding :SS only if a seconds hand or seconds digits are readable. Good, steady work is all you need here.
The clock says 8:13
